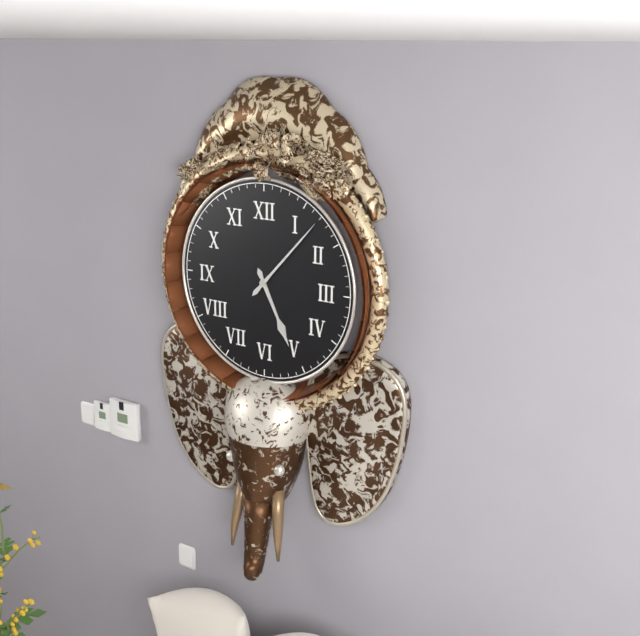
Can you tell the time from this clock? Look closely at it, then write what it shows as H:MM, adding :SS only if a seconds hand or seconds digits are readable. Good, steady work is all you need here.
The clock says 5:07
